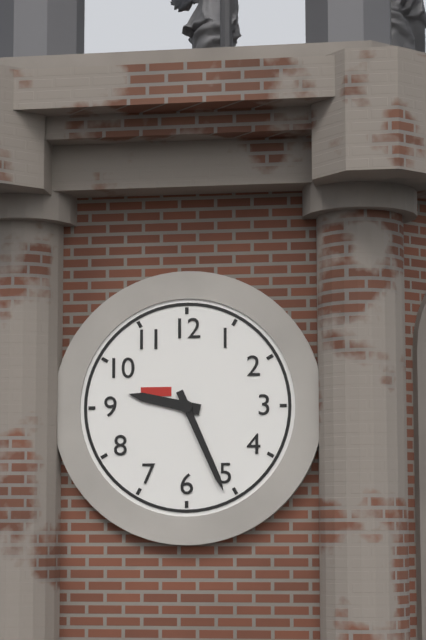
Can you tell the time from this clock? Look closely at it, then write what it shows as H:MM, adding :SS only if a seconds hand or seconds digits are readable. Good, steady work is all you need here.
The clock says 9:26
